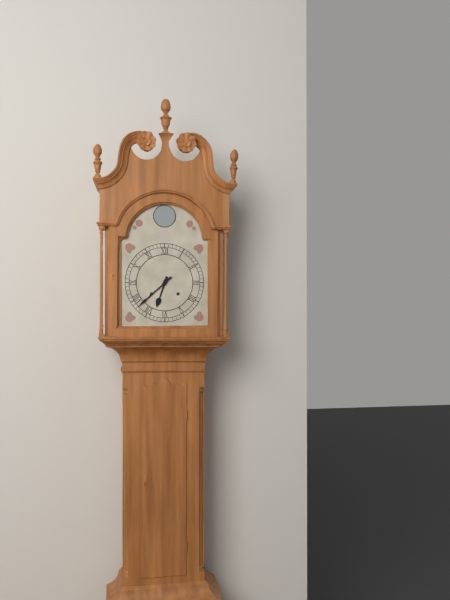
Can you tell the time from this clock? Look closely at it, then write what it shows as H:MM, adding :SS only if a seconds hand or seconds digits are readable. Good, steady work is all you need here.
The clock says 6:38
